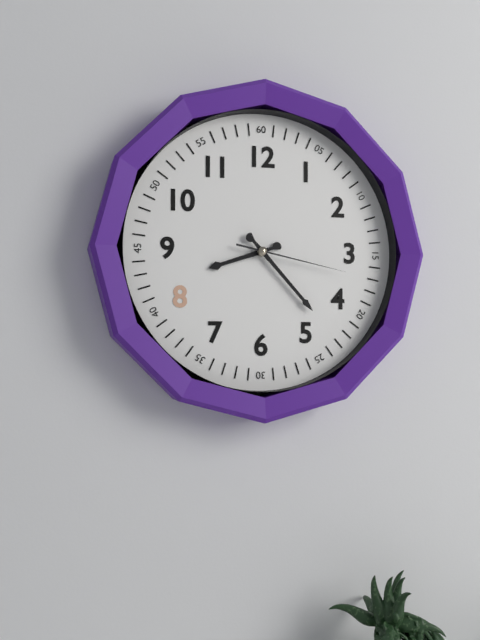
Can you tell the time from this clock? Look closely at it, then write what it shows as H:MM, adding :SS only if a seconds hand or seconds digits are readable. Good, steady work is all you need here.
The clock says 8:23:17
